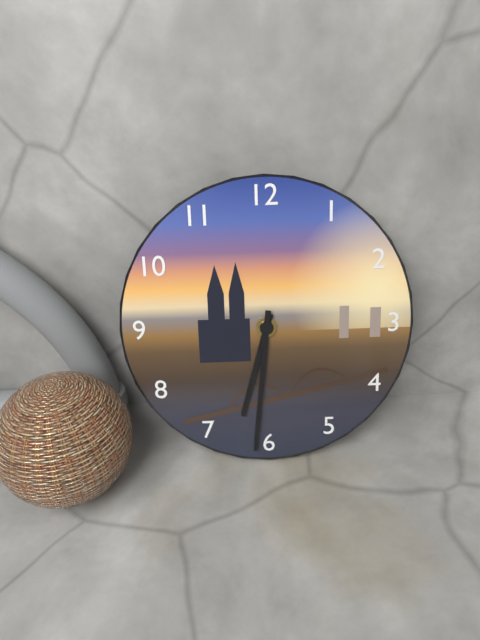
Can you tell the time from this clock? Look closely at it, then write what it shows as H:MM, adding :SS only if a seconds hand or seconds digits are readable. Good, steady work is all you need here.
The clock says 6:31
